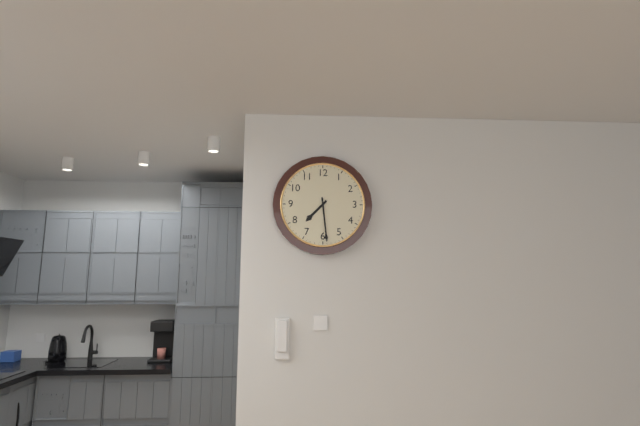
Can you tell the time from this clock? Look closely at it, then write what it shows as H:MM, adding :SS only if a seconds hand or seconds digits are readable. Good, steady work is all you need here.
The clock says 7:29
